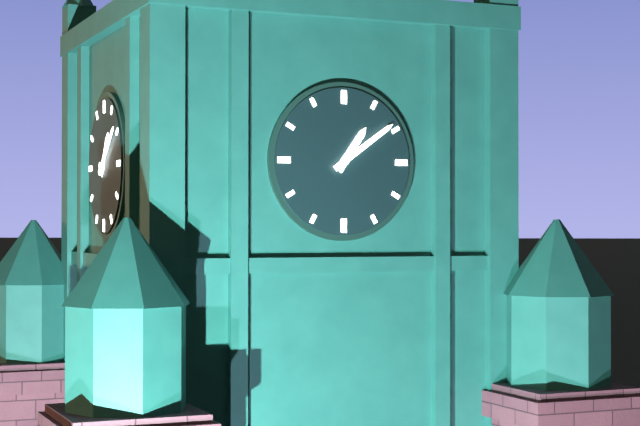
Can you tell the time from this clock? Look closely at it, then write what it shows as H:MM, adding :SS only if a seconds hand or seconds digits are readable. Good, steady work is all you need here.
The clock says 1:09
